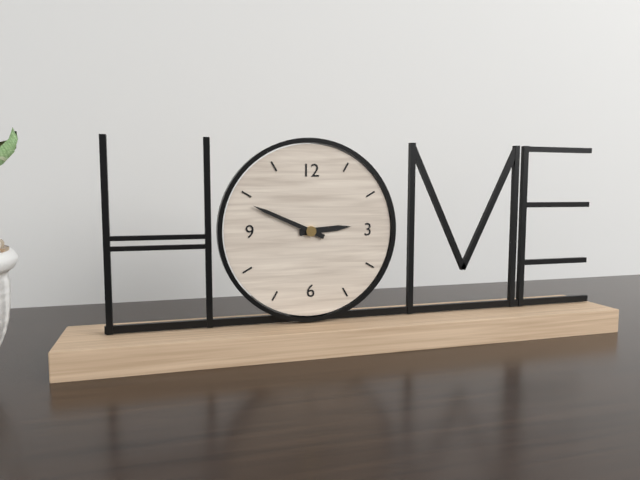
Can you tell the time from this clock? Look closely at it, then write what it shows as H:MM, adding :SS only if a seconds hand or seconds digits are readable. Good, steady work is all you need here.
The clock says 2:49
